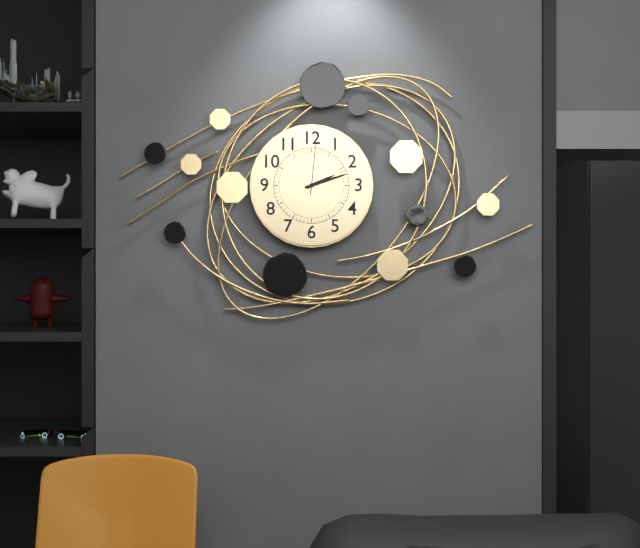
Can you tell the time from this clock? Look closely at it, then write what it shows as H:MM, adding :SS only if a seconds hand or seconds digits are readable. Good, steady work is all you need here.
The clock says 2:12:01
